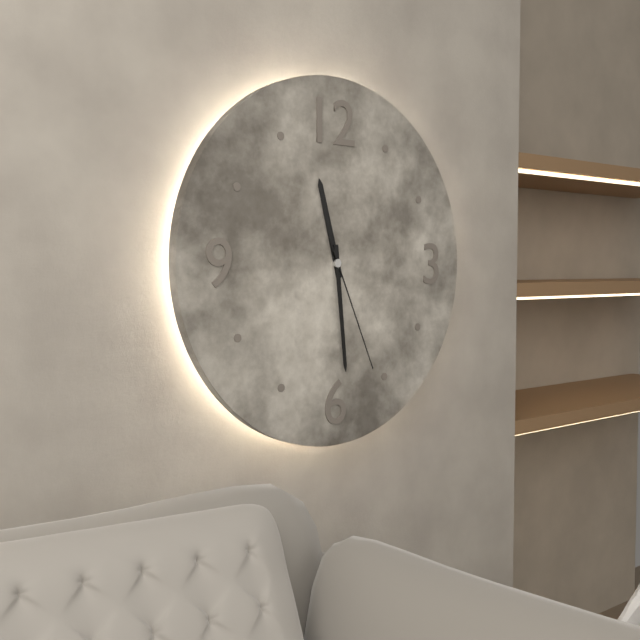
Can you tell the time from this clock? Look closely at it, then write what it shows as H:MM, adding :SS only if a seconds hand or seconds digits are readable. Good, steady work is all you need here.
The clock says 11:29:26
